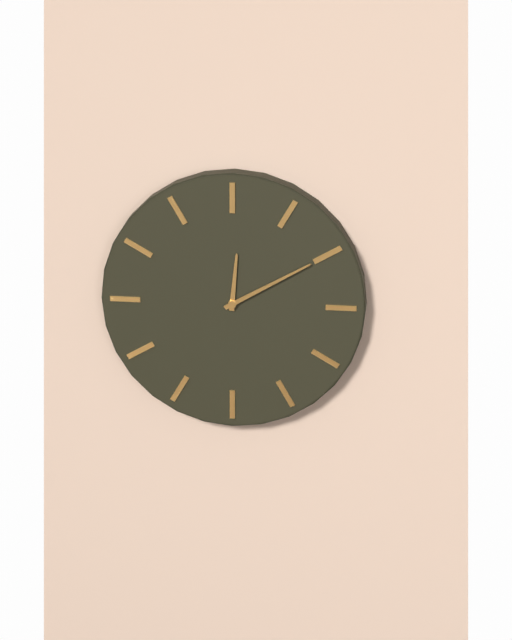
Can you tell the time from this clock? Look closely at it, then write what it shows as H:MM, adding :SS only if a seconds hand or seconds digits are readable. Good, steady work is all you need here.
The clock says 12:10
